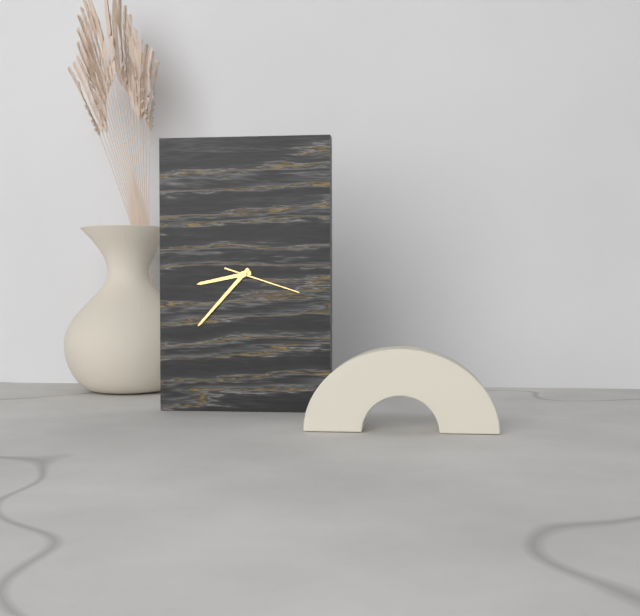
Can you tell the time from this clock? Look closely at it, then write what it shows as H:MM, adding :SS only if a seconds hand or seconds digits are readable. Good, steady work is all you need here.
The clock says 8:37:18
